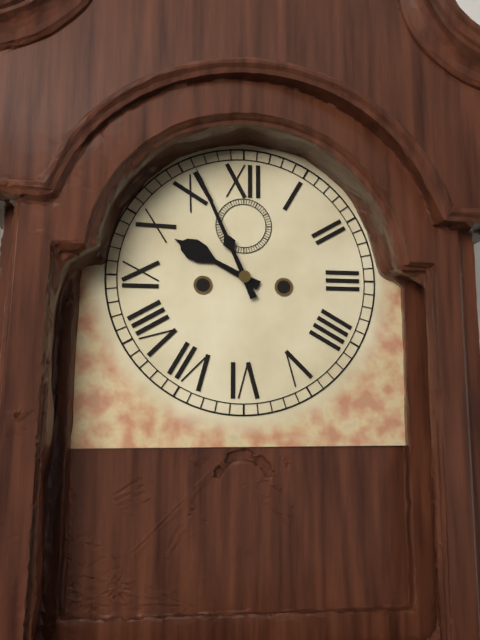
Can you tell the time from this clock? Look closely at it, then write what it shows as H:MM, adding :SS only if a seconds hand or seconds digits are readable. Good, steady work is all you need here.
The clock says 9:56
